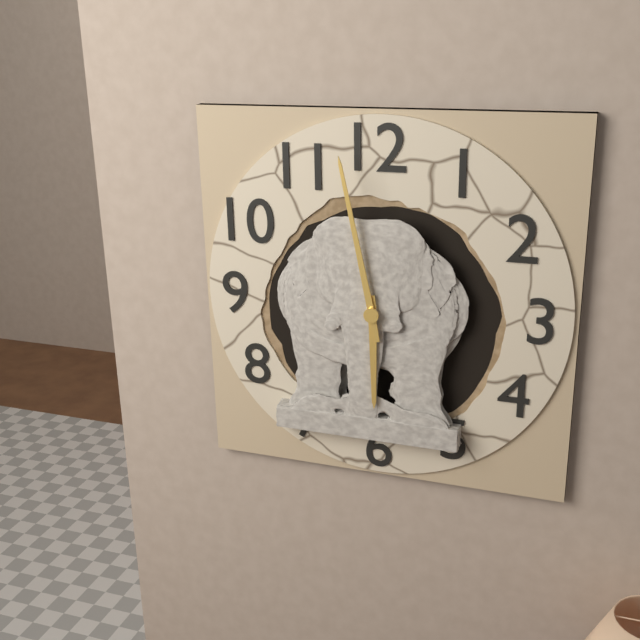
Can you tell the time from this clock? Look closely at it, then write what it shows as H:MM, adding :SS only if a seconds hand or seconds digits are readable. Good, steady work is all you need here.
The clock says 5:58
